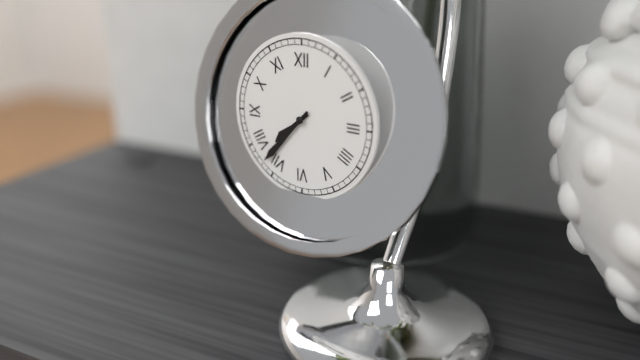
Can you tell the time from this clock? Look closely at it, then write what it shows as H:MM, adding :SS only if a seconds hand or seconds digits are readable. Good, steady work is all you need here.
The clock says 7:37
